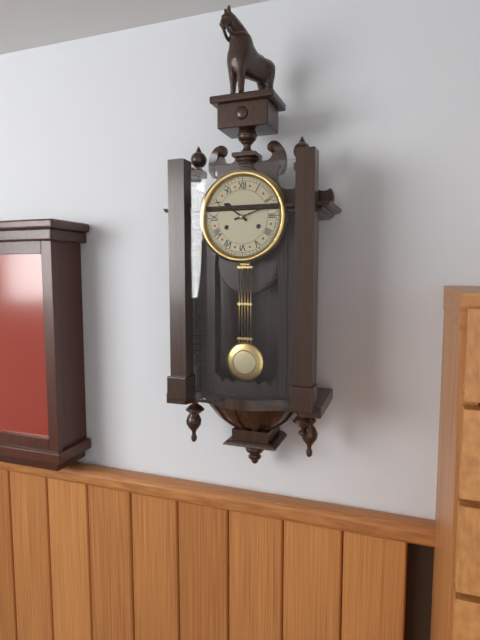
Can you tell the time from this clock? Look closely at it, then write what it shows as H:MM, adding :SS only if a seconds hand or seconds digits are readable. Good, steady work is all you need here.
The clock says 10:12
